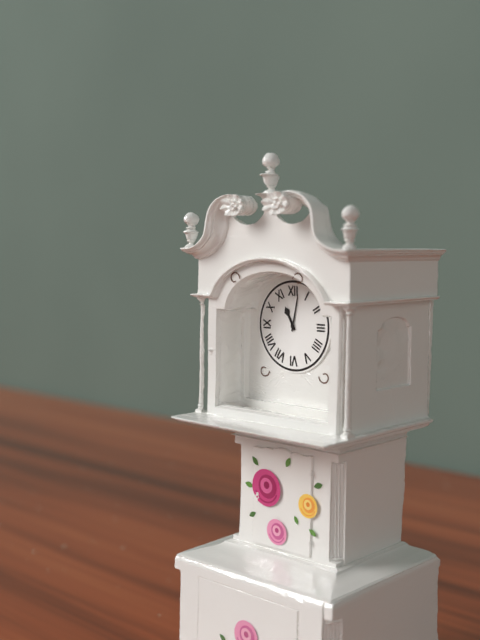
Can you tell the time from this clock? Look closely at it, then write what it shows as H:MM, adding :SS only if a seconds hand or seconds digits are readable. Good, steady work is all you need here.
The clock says 11:02
